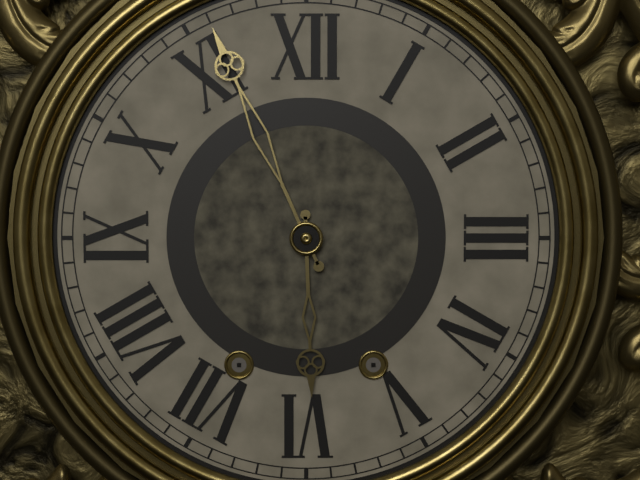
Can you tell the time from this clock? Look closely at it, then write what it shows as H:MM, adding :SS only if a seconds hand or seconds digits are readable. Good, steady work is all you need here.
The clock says 5:56
